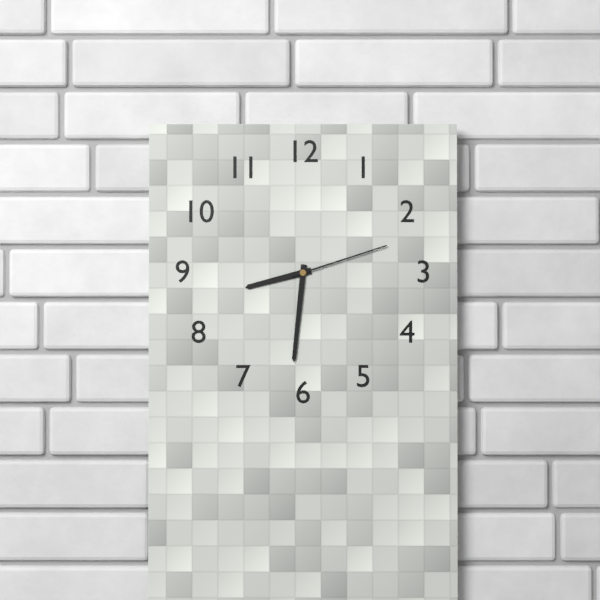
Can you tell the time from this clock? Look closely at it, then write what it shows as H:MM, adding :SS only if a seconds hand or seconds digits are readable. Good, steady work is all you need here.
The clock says 8:31:12
